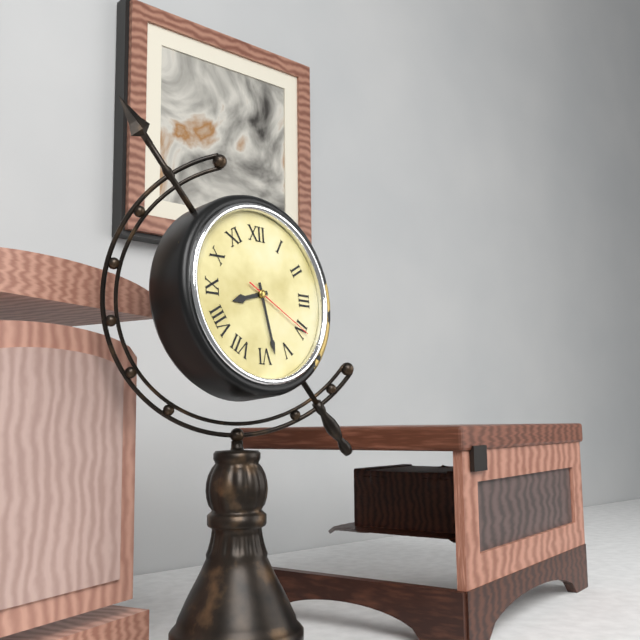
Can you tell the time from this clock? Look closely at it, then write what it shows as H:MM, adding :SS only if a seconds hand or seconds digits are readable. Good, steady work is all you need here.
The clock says 8:28:20
